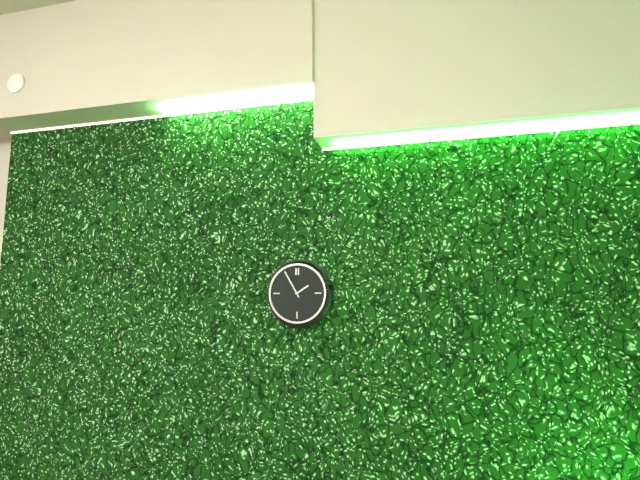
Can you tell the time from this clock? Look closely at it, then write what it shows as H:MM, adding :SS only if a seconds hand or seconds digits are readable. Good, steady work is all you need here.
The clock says 1:55
